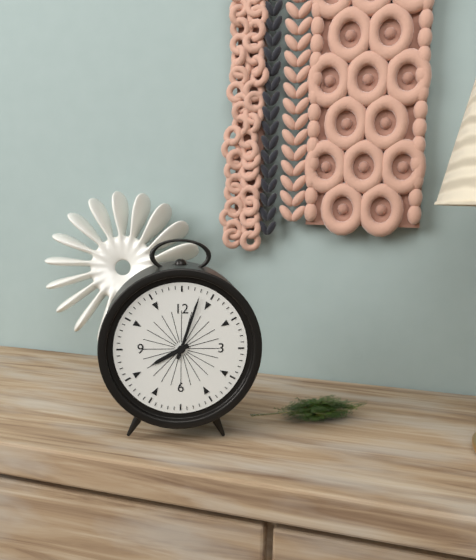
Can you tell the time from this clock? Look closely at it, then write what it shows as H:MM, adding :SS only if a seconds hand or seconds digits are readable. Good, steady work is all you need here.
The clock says 8:03
